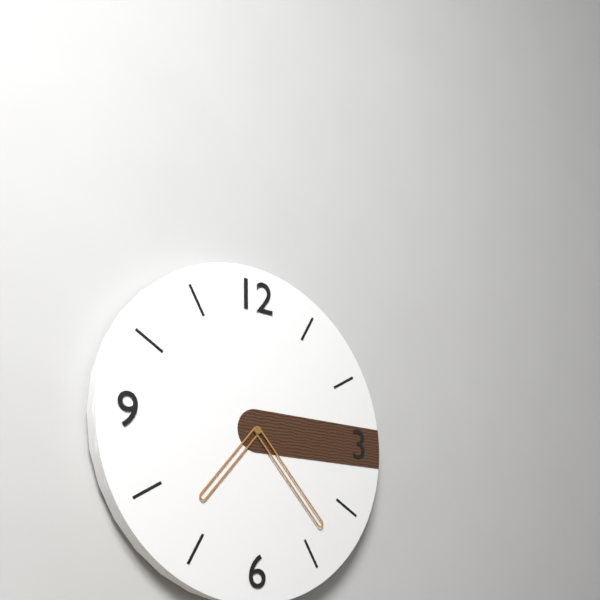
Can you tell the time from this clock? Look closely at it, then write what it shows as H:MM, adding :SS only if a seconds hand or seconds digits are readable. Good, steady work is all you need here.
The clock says 7:23
